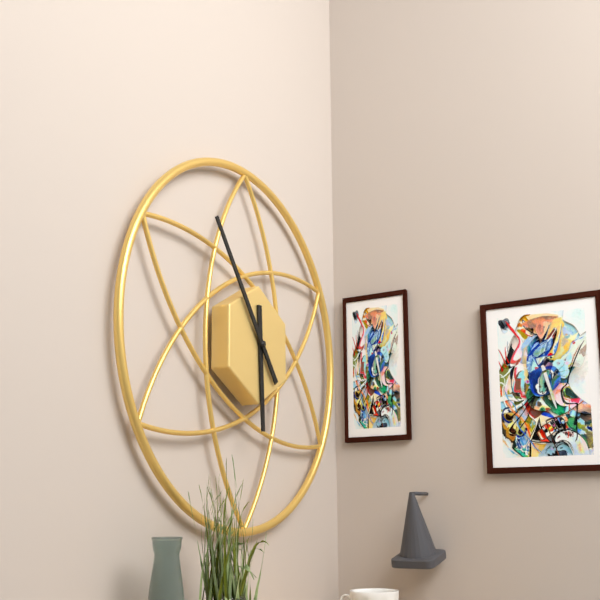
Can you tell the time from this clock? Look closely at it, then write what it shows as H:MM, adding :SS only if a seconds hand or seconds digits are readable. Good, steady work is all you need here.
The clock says 5:54
